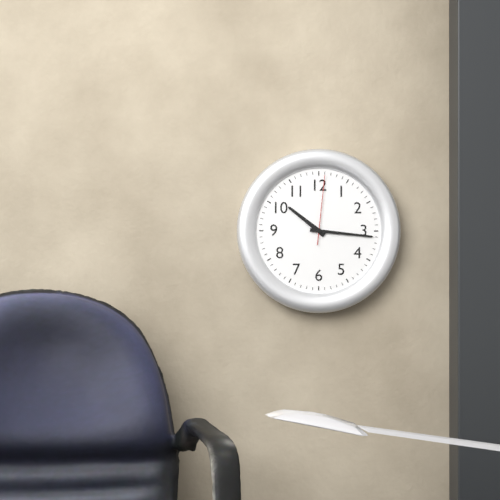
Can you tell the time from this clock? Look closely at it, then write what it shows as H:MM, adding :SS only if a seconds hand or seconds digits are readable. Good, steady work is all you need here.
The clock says 10:16:01
